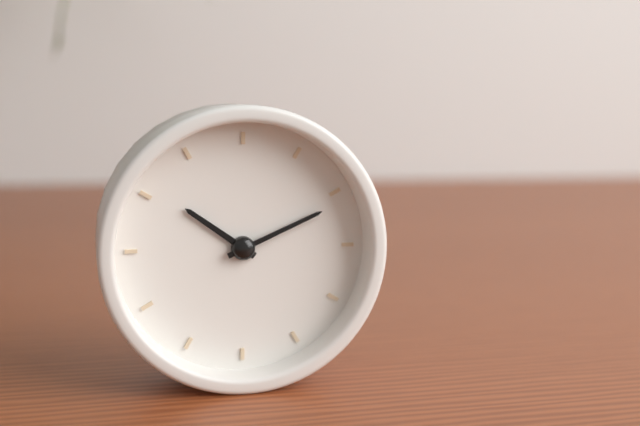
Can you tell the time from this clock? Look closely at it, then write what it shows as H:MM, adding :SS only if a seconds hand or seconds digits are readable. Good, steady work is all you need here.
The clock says 10:11
